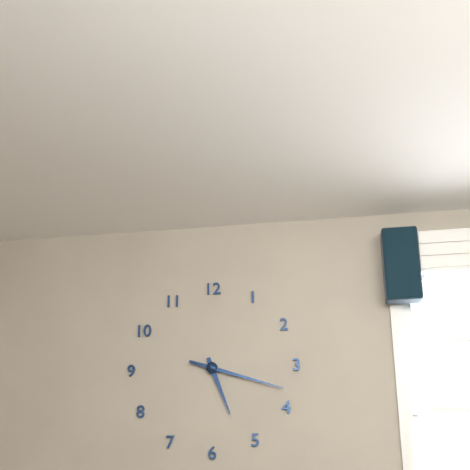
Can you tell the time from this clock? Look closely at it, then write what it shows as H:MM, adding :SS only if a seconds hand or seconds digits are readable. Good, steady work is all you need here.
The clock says 5:18
